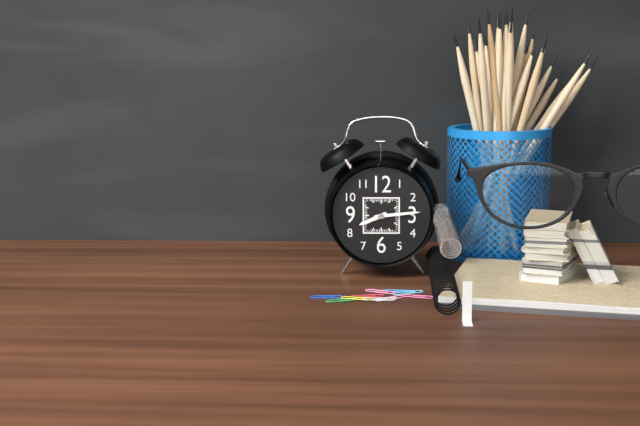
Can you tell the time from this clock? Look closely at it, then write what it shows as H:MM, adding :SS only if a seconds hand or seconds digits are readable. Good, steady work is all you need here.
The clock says 8:14
